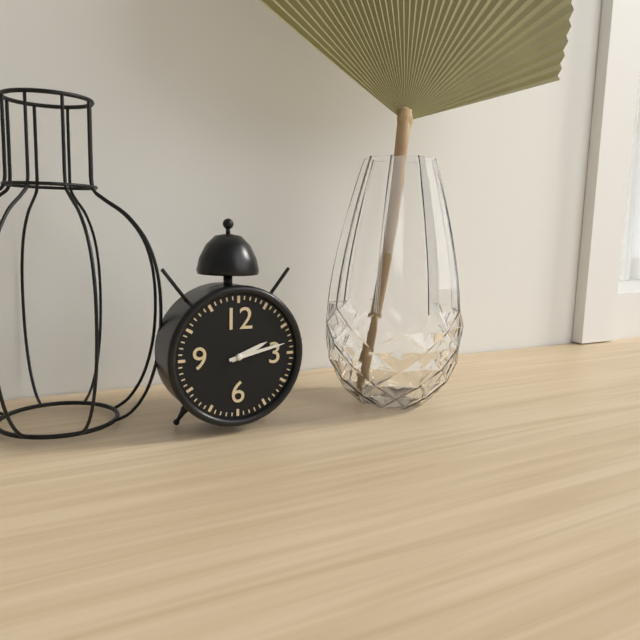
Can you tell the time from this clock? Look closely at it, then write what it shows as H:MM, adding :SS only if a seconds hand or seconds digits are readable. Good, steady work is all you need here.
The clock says 2:13
